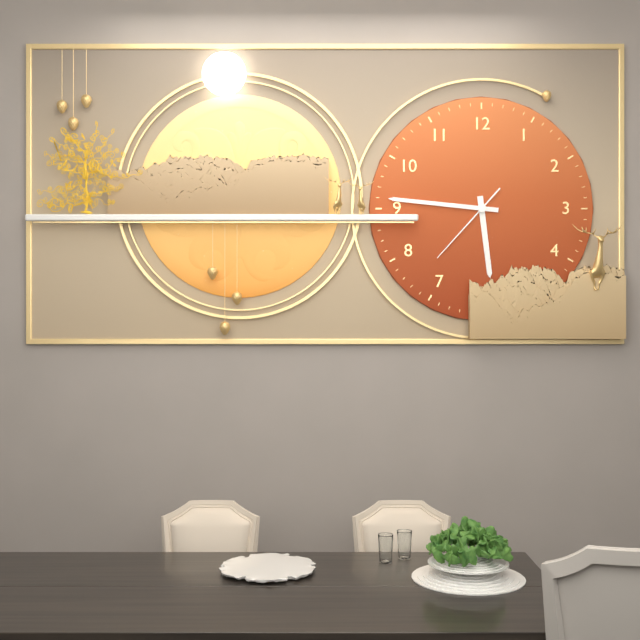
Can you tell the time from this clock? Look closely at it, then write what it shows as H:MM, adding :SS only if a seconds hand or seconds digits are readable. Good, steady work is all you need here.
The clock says 5:46:37
